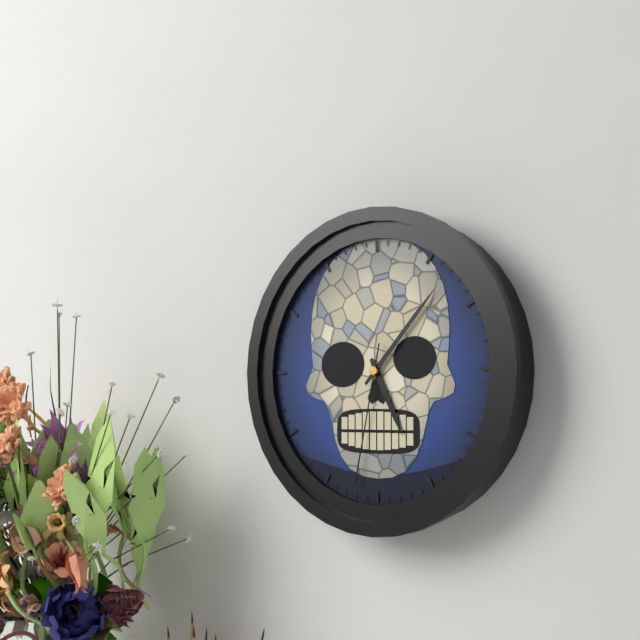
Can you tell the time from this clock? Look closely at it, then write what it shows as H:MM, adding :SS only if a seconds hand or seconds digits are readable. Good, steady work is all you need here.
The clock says 5:07:32
